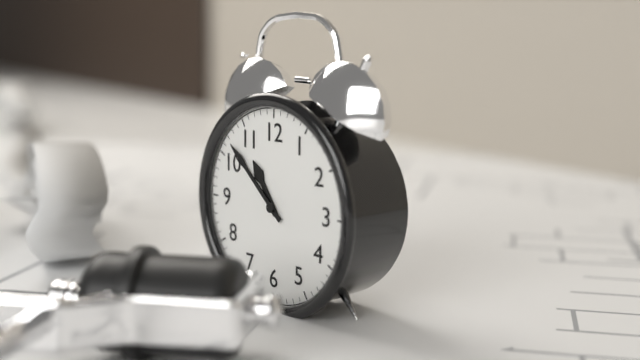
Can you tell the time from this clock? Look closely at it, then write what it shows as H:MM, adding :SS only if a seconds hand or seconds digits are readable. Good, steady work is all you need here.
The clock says 10:52
